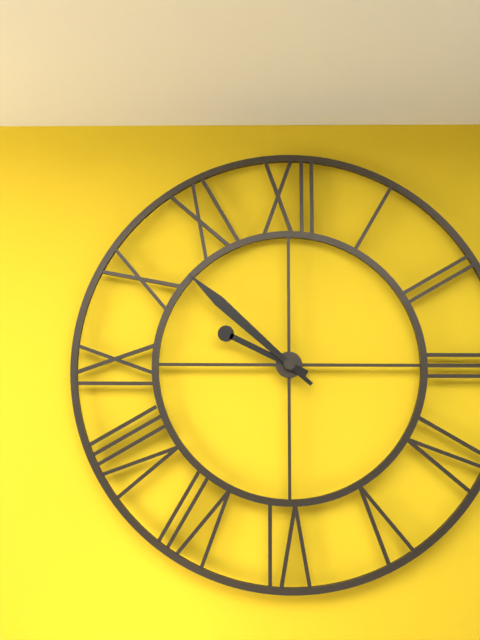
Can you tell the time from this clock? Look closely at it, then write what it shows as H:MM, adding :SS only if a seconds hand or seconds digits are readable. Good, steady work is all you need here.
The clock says 9:52
